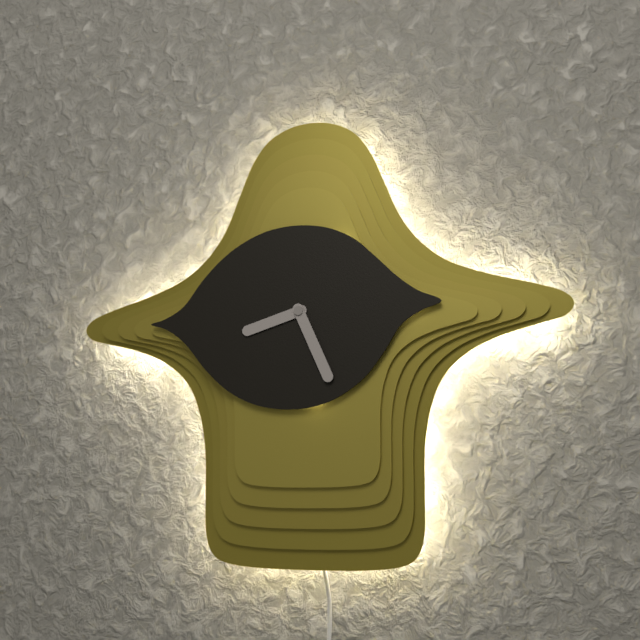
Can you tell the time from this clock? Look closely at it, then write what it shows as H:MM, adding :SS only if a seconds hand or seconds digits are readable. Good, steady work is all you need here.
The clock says 8:26
